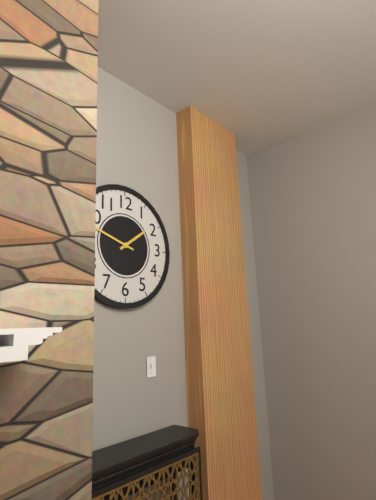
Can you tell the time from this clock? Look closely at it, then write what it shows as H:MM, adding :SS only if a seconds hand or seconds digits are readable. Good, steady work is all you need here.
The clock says 1:48
